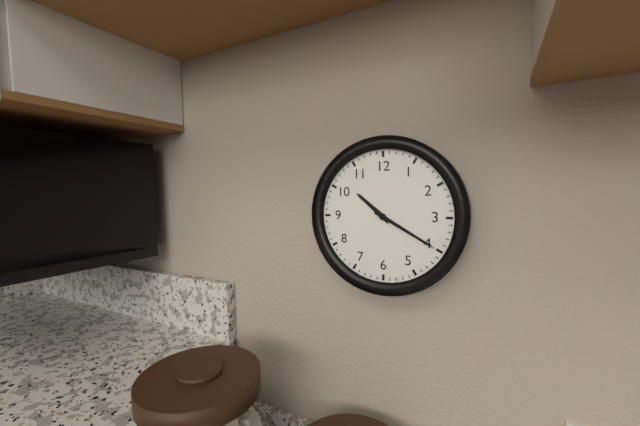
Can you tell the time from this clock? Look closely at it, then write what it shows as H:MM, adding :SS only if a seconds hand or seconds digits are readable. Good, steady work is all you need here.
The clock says 10:20
